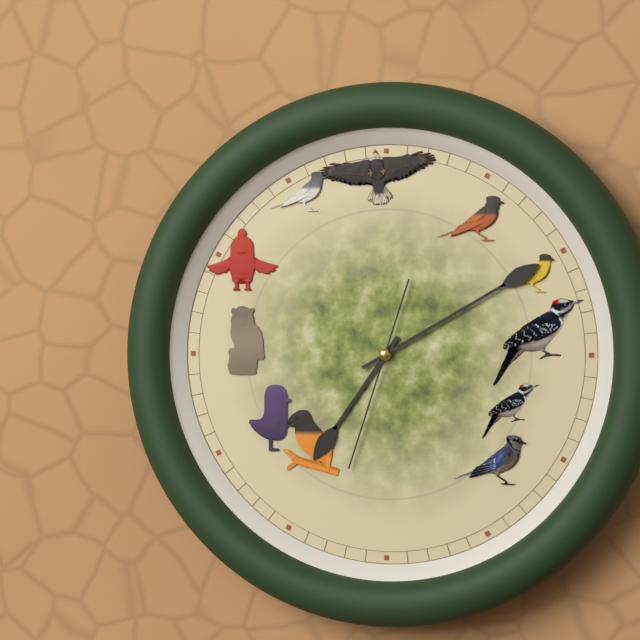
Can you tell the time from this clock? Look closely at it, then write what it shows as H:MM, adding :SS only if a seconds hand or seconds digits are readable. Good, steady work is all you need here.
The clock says 7:10:33
